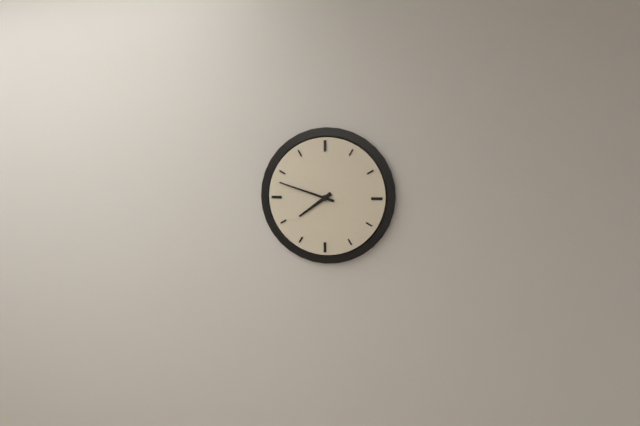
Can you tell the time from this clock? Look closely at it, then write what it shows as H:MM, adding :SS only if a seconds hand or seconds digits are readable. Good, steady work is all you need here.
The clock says 7:48
